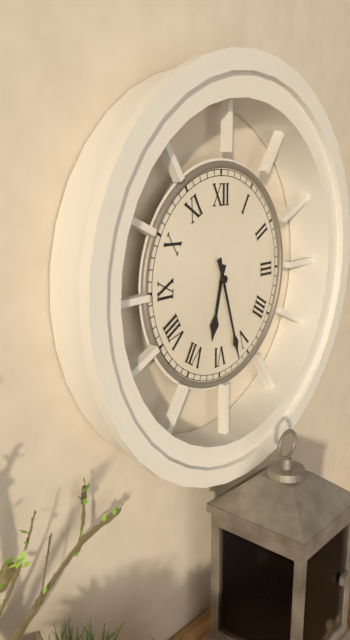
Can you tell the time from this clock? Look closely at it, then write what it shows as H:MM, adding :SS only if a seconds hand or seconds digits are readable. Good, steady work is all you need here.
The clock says 6:27
